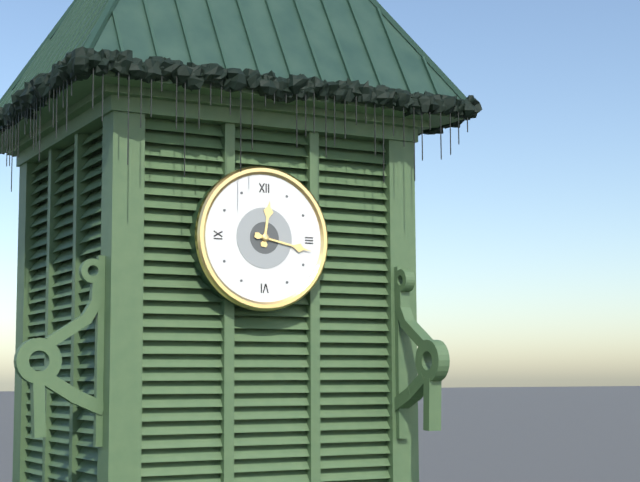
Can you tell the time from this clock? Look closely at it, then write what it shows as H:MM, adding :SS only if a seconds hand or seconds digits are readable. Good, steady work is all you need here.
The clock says 12:17
